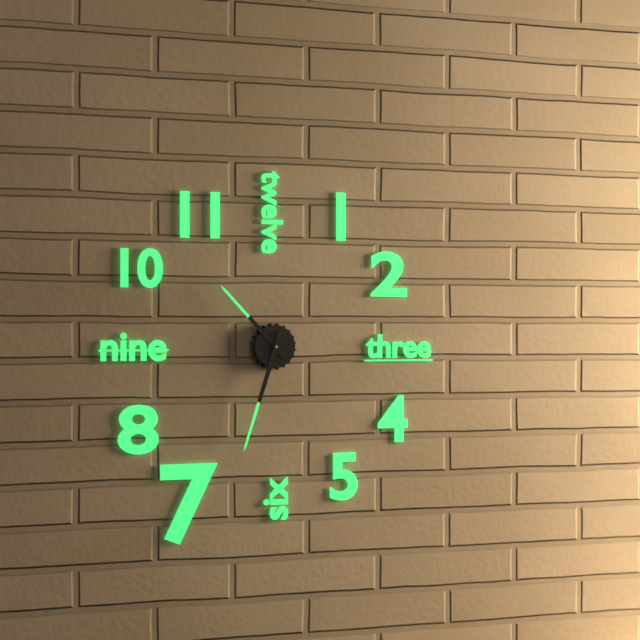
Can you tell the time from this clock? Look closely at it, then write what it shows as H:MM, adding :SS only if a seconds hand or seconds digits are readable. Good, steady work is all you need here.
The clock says 10:33
